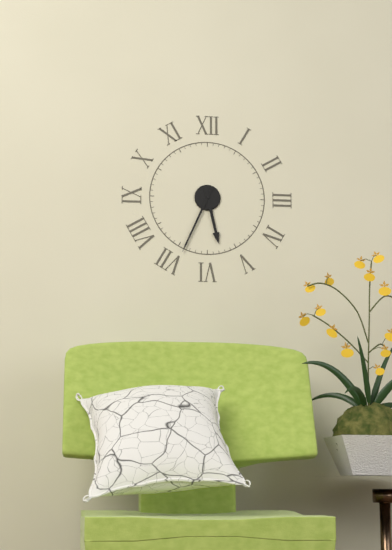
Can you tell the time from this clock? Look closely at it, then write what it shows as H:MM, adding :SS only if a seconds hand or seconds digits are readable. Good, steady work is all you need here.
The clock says 5:34
